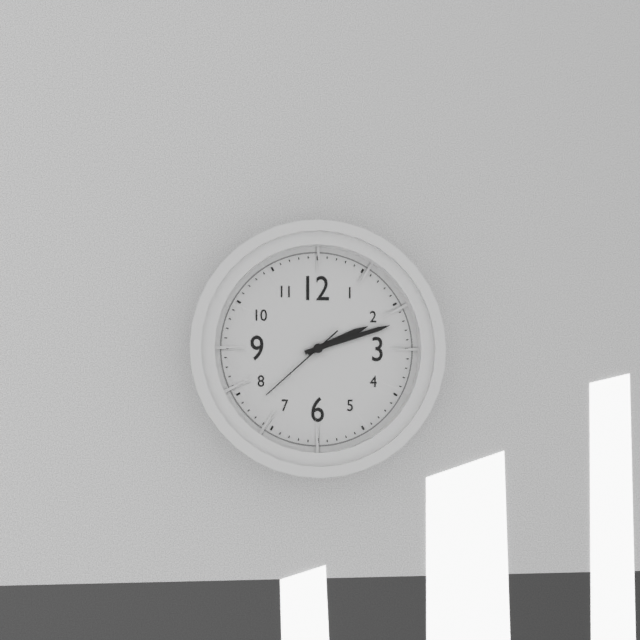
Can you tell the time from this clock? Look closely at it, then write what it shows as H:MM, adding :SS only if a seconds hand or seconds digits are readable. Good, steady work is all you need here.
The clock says 2:12:38
